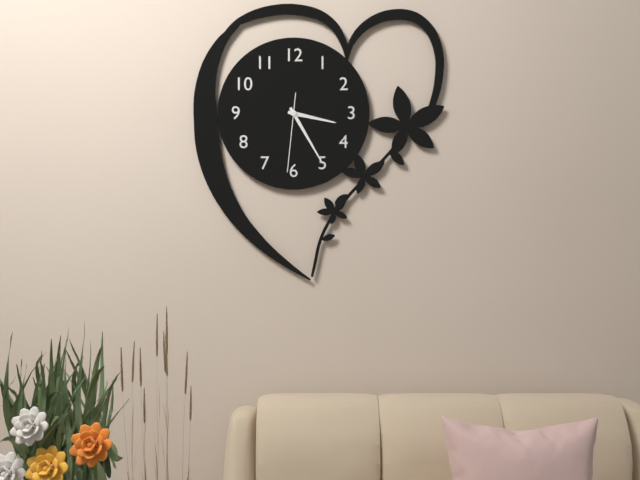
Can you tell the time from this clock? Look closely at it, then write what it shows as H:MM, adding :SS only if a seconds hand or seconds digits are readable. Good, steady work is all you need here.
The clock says 3:25:31
